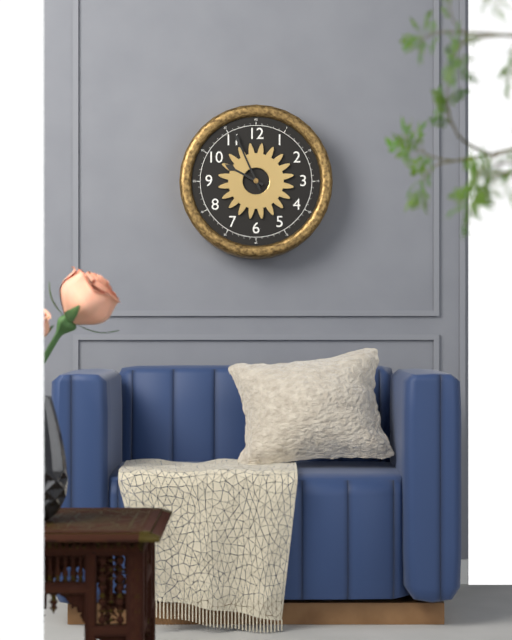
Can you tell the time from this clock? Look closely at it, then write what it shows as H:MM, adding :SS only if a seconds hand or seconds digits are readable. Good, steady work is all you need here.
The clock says 9:56
